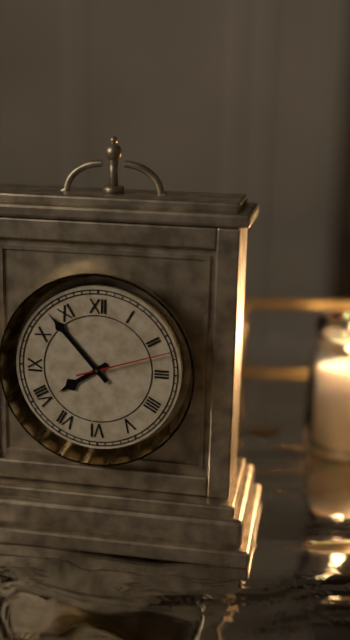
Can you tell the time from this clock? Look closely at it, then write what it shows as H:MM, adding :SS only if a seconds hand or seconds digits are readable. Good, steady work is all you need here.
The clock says 7:53:12
